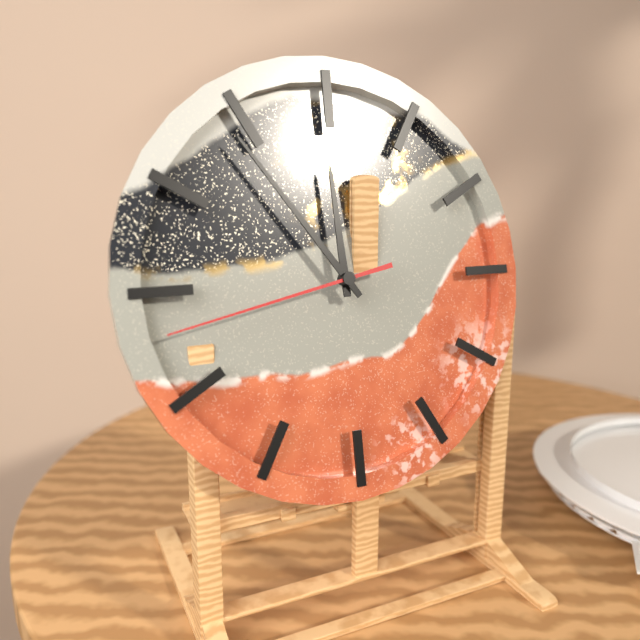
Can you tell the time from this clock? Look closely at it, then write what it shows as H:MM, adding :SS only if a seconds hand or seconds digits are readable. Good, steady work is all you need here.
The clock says 11:54:43
